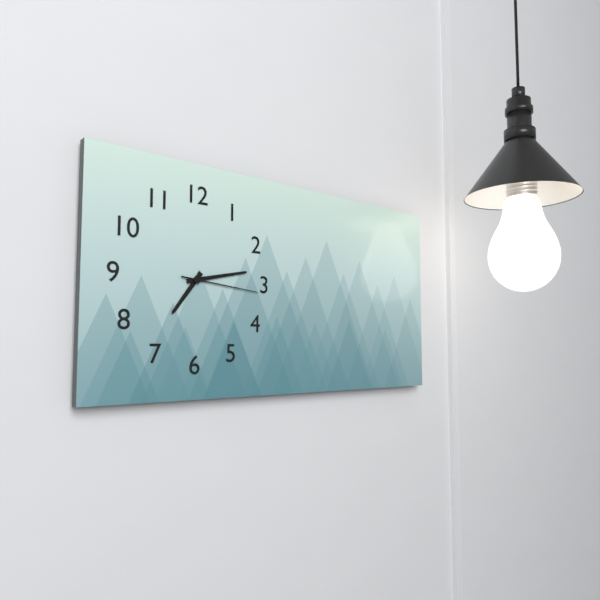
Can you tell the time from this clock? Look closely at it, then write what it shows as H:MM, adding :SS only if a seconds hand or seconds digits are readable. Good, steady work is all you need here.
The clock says 7:13:16
